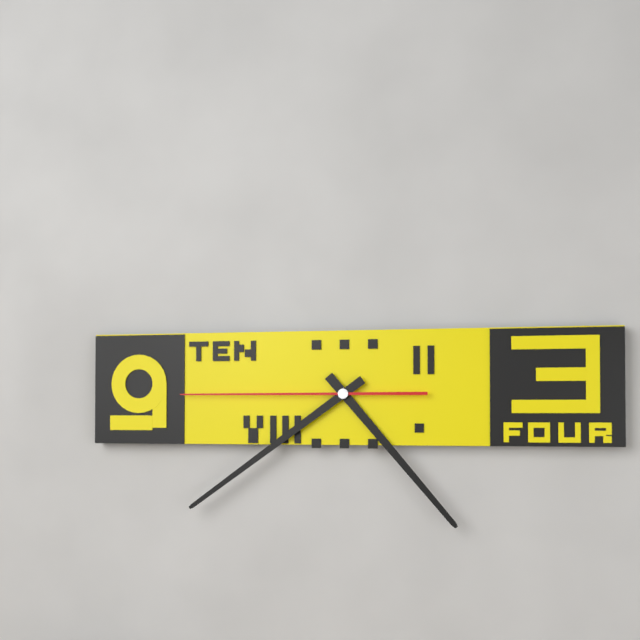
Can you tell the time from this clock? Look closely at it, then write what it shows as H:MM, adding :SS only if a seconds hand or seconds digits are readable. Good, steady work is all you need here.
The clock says 4:39:45
